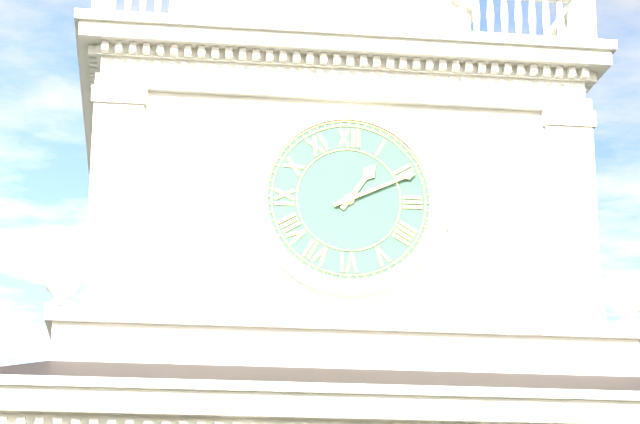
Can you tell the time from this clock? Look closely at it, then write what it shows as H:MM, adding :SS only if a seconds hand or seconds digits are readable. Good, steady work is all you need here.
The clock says 1:11
